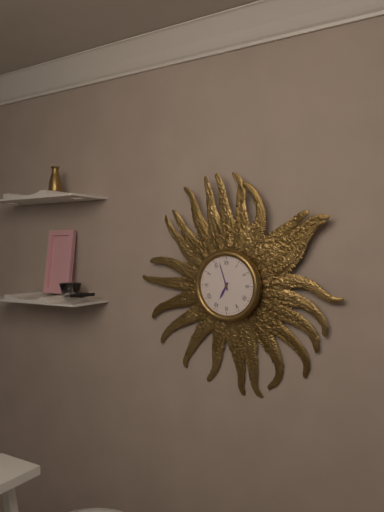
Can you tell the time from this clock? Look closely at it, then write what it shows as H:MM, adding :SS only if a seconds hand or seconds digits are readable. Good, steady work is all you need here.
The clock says 6:57
